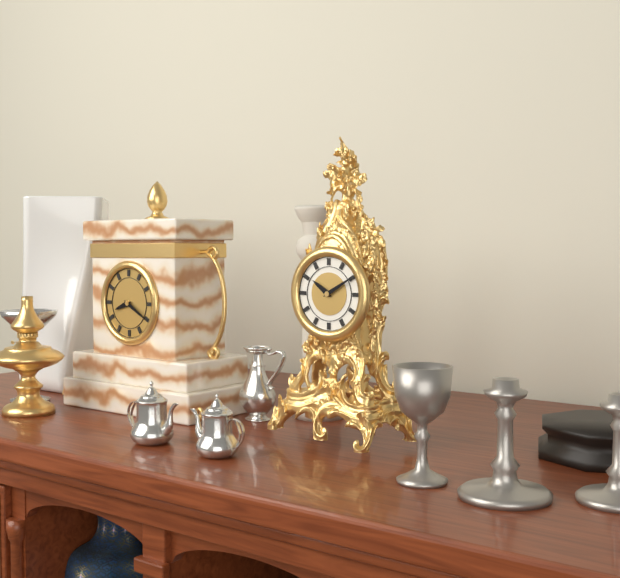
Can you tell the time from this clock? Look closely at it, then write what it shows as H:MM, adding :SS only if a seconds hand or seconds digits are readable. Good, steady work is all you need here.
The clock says 10:10
